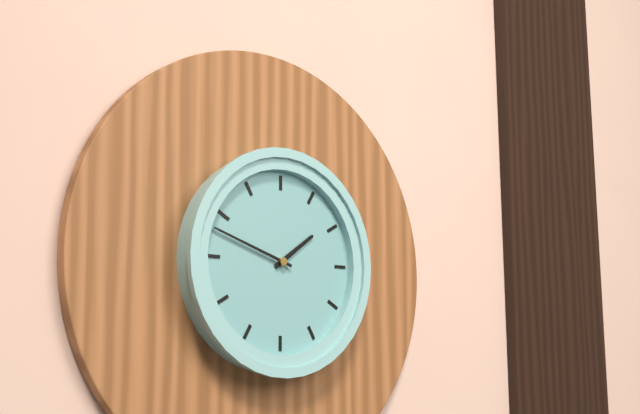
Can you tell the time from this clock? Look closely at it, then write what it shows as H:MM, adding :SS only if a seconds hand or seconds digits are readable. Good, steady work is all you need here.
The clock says 1:48
